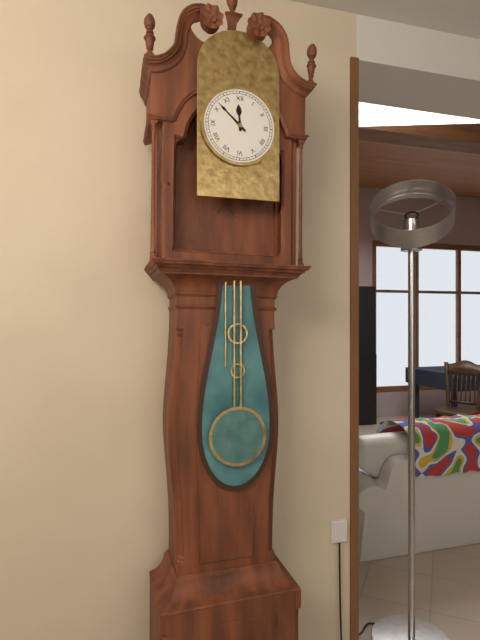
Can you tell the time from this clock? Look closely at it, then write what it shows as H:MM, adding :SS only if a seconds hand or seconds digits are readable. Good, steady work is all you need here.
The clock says 11:52
